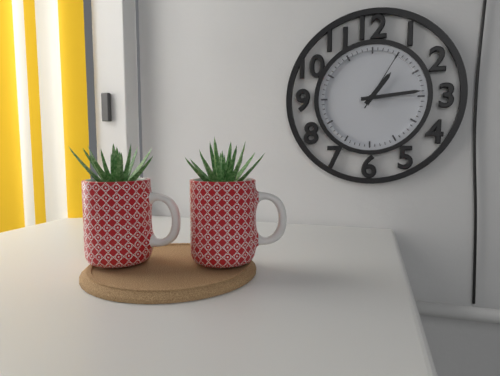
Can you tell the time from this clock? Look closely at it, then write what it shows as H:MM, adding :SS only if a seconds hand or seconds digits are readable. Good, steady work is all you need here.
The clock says 1:14:05
